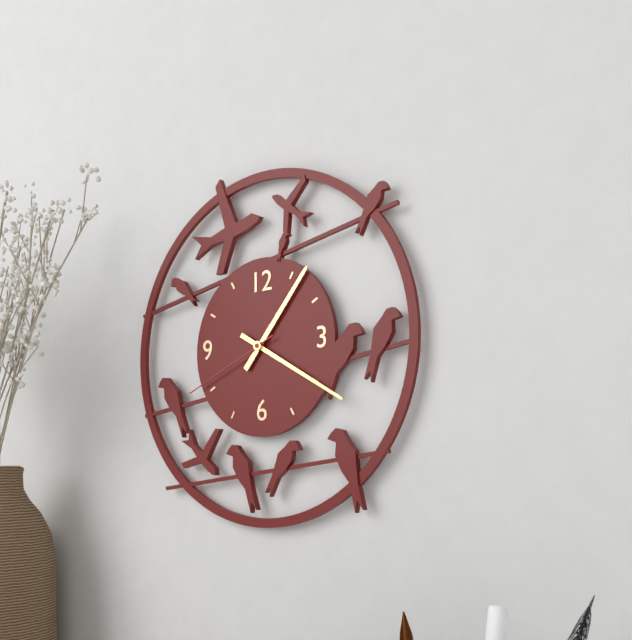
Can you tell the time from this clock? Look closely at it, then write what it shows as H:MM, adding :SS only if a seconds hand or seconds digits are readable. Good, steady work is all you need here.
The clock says 1:20:41
